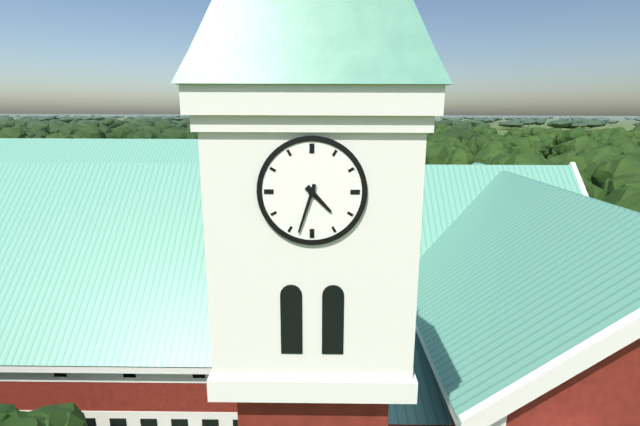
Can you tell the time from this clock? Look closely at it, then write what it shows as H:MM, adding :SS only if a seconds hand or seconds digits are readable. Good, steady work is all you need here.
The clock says 4:33
